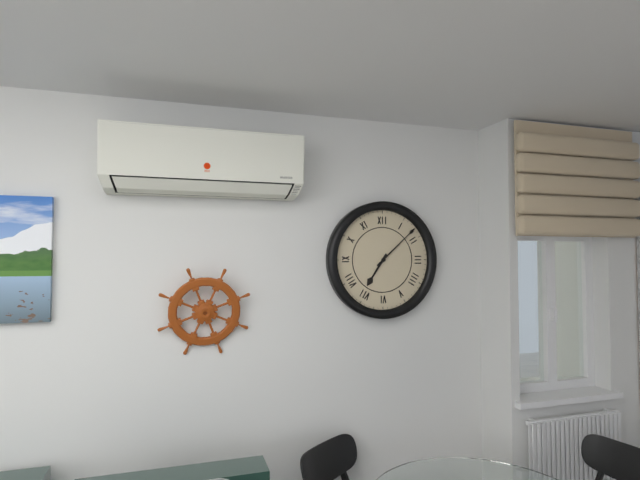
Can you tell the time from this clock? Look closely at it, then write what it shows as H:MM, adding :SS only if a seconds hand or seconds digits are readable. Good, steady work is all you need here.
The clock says 7:08
